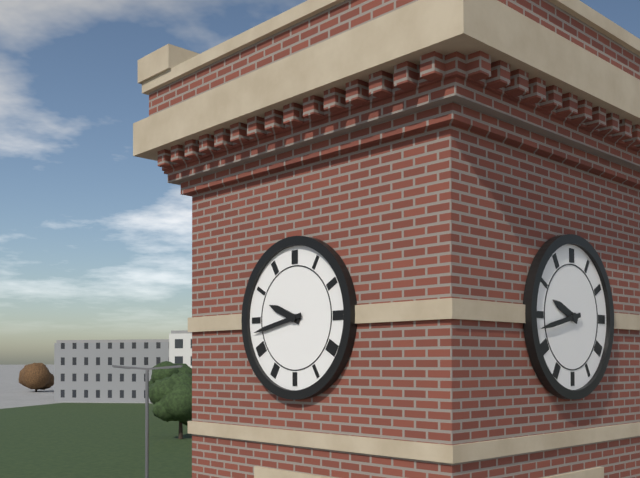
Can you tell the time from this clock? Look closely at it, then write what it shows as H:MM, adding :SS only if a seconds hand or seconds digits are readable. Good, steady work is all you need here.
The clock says 9:43
